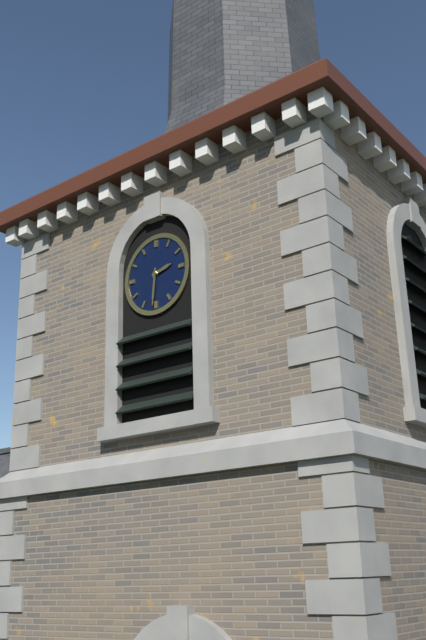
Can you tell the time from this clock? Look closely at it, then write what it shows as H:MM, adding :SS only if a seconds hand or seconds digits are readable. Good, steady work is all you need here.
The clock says 2:31
